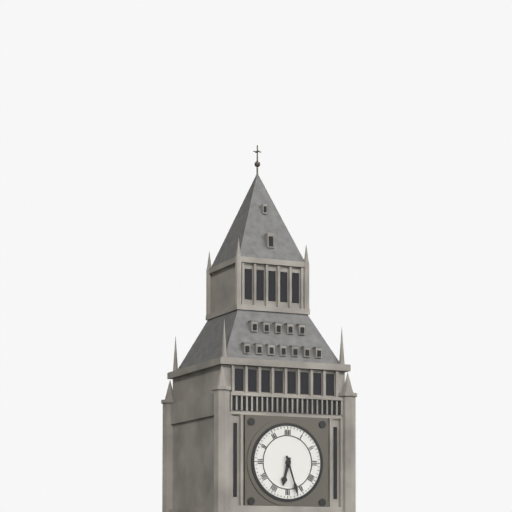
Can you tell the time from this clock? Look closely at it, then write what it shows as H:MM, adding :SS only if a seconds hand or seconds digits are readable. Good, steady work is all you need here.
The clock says 6:27
